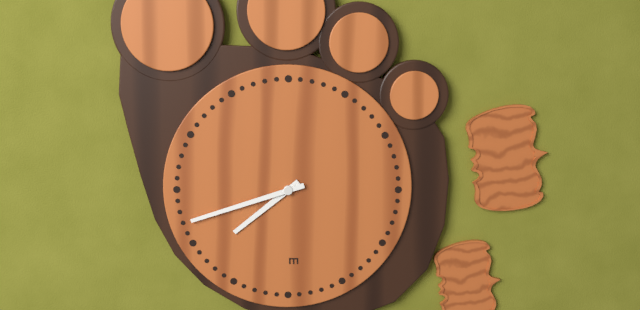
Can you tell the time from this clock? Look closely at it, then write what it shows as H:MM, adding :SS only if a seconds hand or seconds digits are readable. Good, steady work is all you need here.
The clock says 7:42
